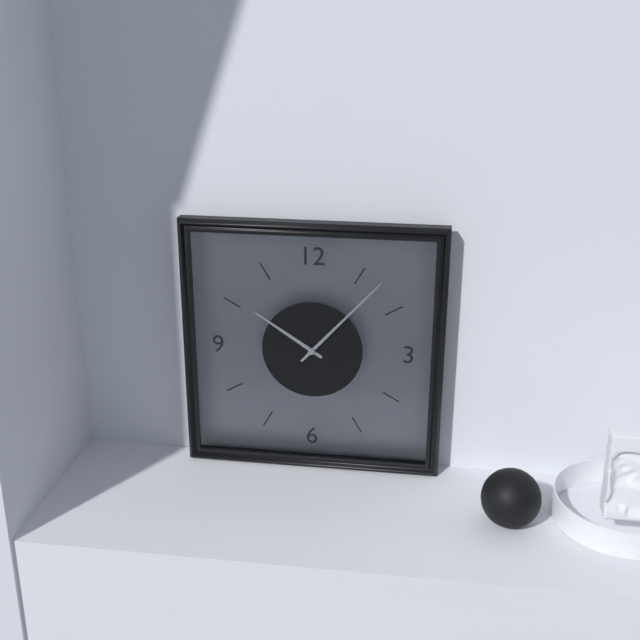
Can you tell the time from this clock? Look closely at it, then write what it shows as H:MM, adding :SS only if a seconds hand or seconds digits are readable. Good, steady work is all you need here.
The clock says 10:07
